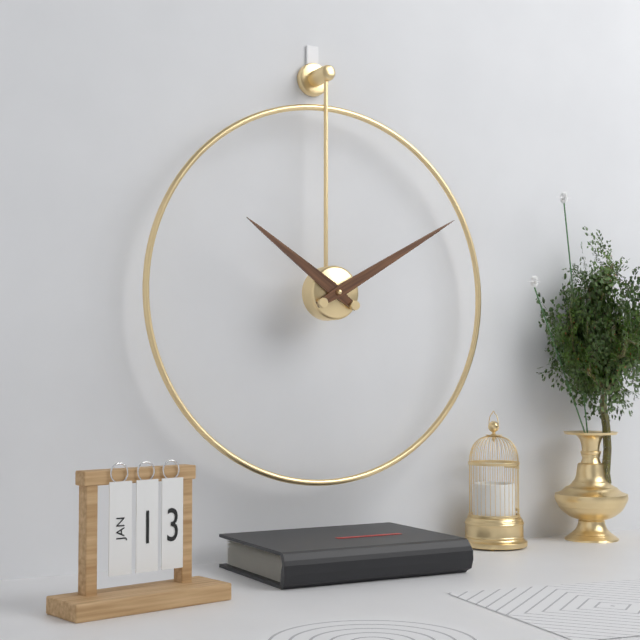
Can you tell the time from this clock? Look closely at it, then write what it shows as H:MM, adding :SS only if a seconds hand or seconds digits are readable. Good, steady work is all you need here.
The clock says 10:10
